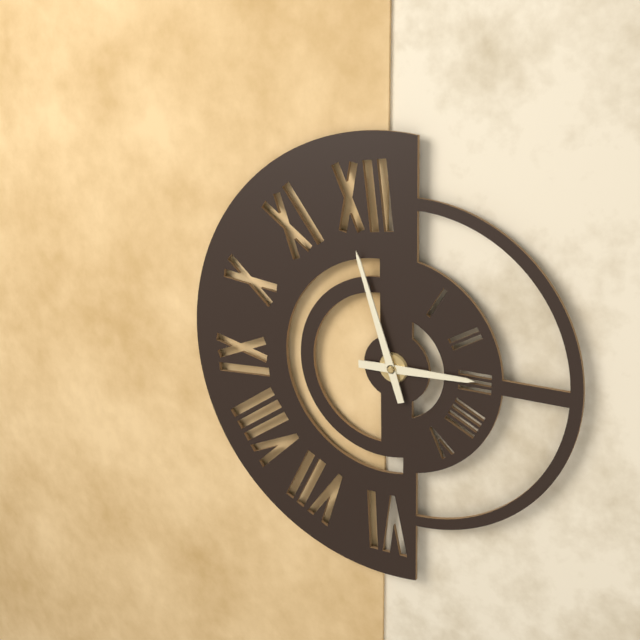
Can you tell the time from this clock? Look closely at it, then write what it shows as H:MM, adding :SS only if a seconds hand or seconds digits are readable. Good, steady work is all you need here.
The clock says 2:57
